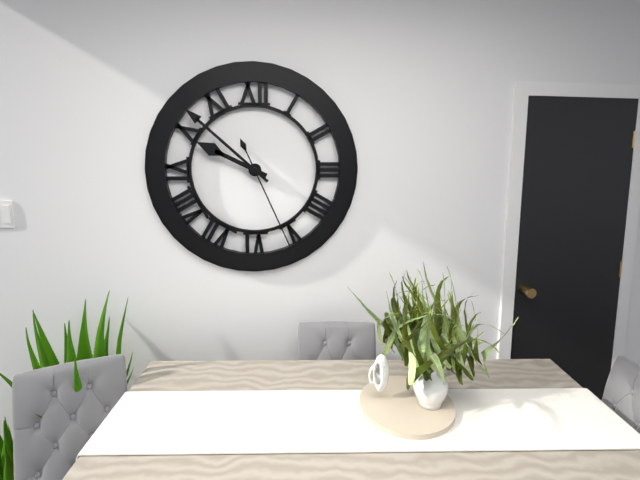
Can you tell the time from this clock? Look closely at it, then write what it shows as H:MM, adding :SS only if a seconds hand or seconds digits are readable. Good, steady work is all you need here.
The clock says 9:52:26
